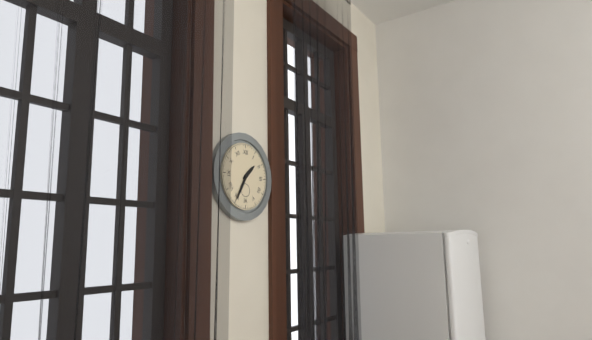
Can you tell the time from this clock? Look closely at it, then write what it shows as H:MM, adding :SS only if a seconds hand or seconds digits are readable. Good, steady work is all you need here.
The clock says 1:35
